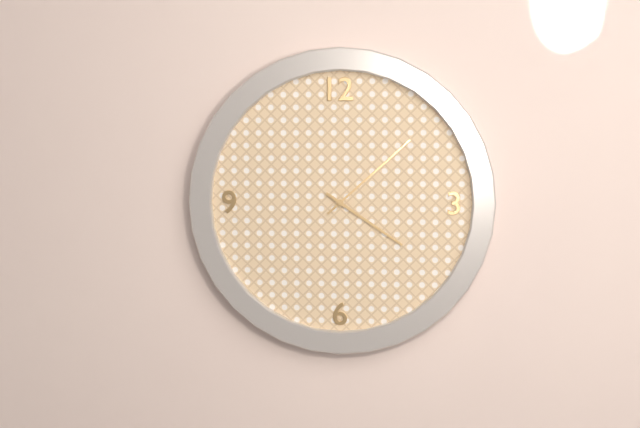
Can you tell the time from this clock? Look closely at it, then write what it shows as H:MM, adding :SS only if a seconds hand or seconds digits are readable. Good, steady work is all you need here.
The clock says 4:08
